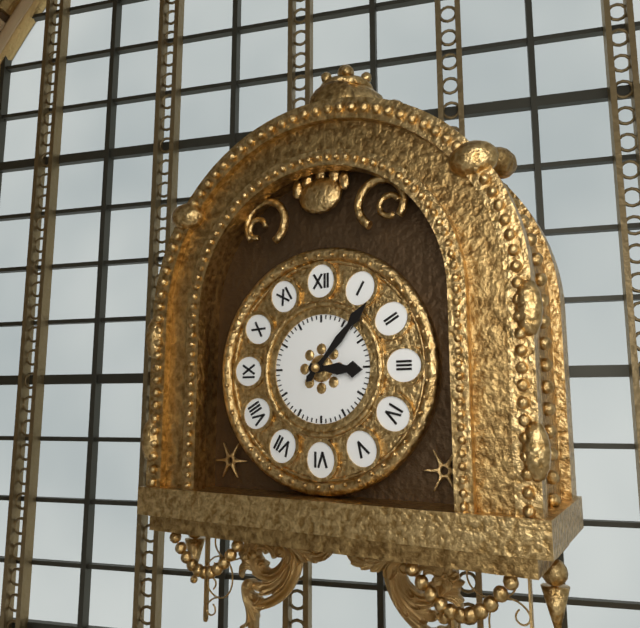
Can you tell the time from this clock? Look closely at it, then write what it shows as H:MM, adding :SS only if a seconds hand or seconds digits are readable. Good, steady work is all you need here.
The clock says 3:07
